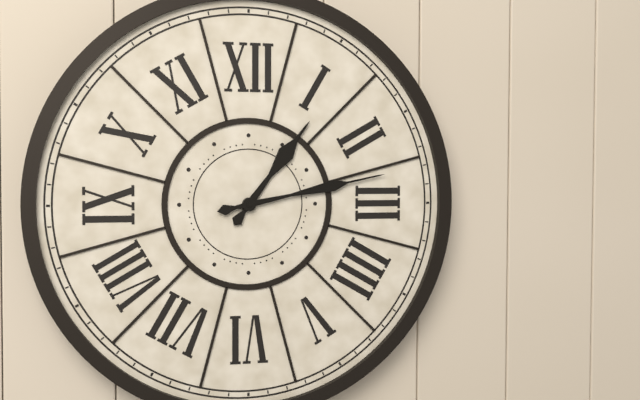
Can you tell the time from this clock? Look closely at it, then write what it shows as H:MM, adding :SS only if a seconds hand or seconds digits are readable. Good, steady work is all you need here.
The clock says 1:13
